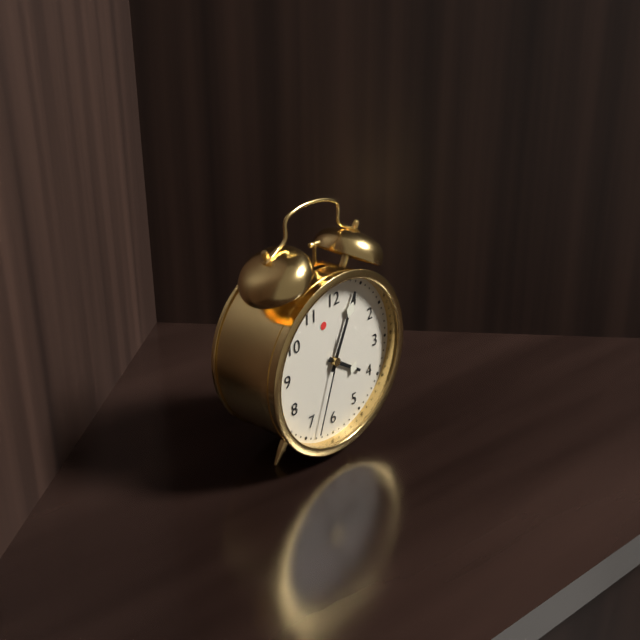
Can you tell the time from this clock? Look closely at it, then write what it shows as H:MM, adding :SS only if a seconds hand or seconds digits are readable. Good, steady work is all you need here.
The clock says 4:04:33
